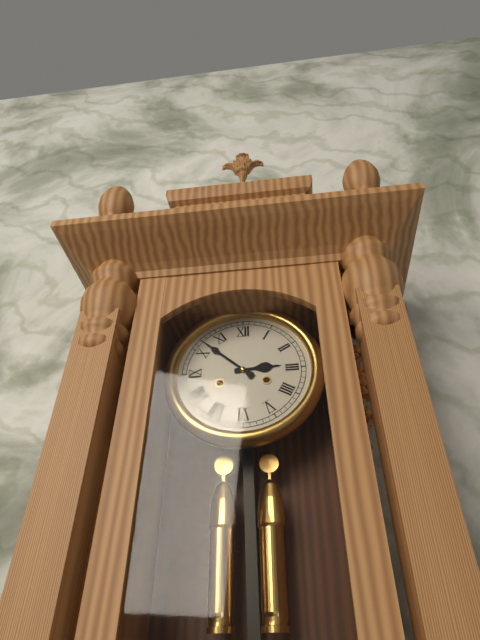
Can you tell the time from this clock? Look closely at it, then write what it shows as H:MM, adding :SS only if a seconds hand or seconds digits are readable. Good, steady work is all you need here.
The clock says 2:52
